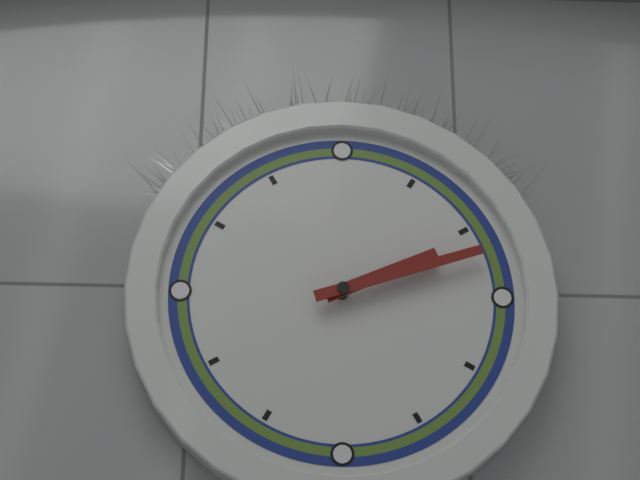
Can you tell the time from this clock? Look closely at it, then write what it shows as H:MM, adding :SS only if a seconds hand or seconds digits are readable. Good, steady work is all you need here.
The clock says 2:12
